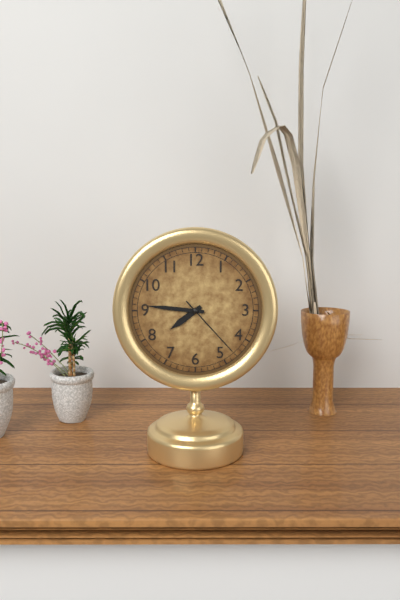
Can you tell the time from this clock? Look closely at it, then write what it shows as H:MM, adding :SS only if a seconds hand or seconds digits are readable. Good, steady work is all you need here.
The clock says 7:46:23
